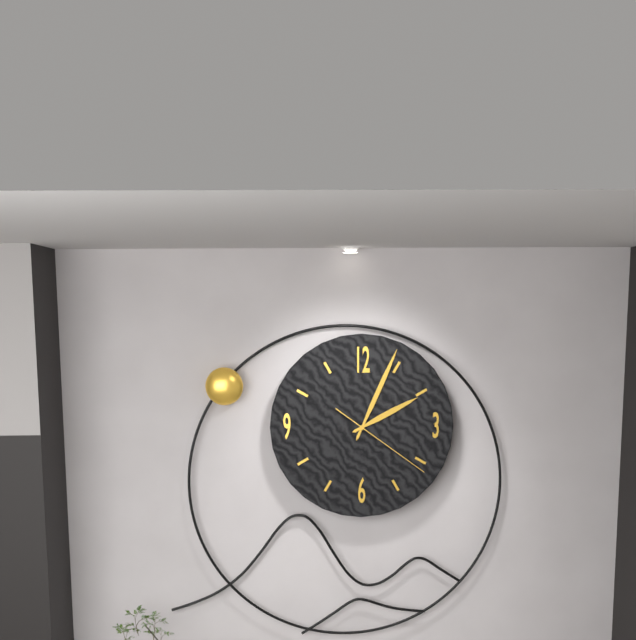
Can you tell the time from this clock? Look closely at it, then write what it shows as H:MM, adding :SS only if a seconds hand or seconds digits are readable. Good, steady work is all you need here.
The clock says 2:04:21
